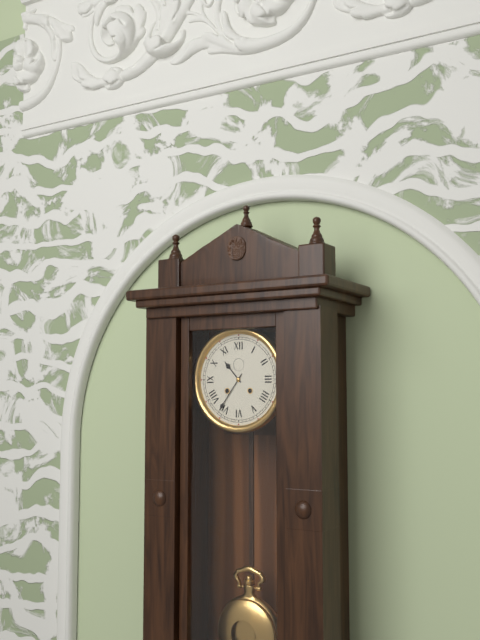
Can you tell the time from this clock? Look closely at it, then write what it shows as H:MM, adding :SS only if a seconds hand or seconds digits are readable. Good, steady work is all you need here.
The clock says 10:36
